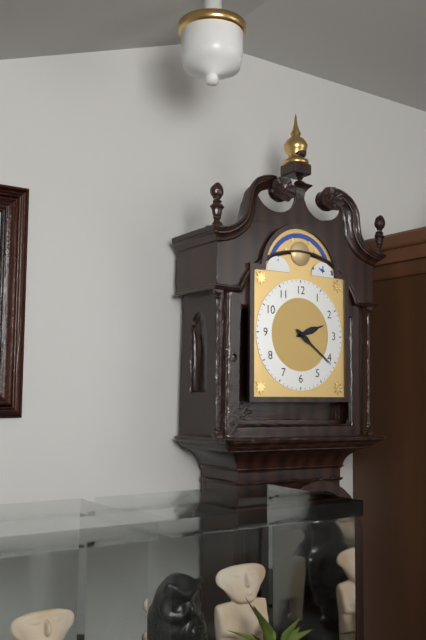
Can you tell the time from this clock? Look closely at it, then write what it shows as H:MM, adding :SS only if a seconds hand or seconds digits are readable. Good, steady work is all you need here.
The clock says 2:21
